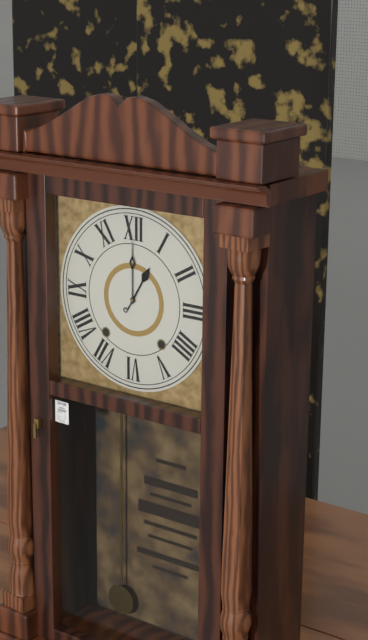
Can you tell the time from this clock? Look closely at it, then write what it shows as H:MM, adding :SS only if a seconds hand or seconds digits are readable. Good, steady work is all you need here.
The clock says 1:00
